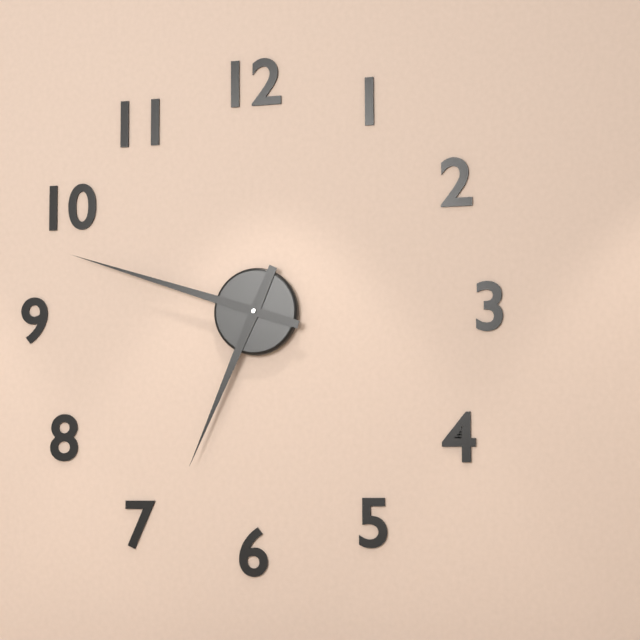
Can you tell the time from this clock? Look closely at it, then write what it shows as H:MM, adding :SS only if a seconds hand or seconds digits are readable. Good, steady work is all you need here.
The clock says 6:48
